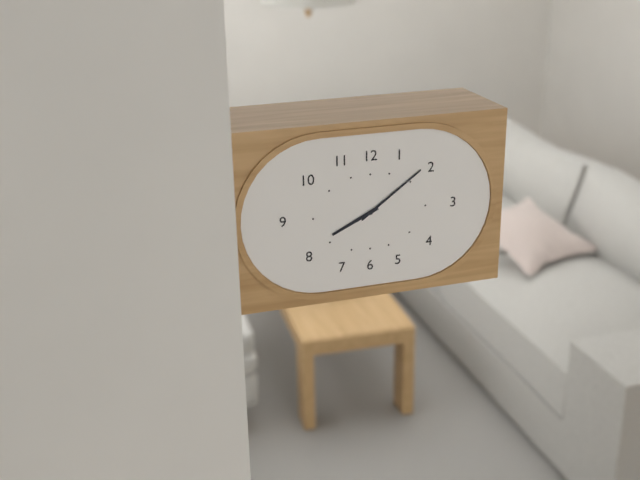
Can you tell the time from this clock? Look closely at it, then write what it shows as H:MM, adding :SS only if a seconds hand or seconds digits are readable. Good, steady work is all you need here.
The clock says 8:09
